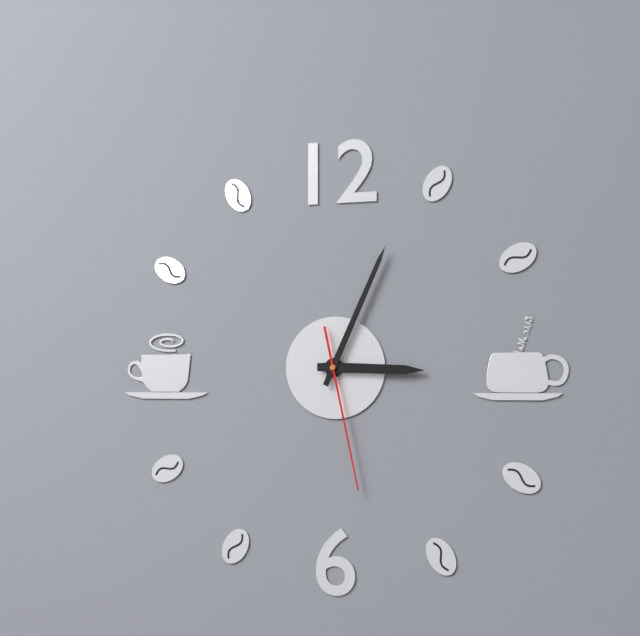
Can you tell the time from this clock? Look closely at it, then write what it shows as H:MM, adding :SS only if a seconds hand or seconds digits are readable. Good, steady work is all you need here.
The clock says 3:04:28
